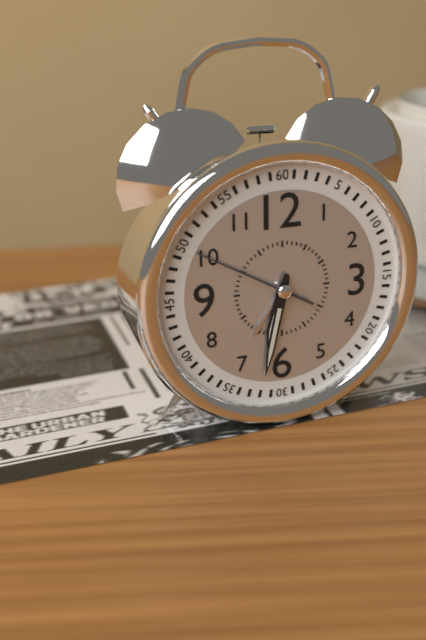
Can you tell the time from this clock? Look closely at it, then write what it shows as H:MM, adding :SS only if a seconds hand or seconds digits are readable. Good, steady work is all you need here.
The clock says 6:32:50
